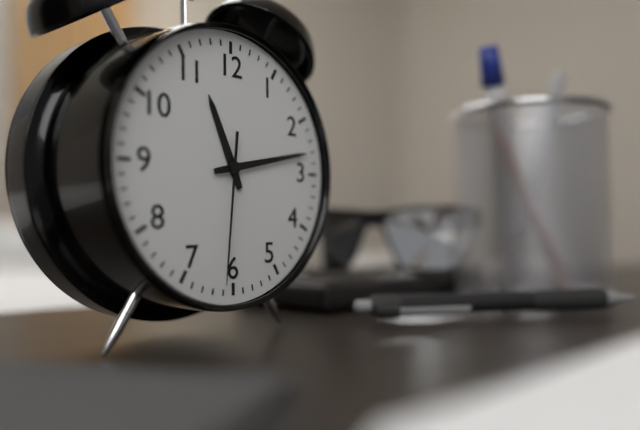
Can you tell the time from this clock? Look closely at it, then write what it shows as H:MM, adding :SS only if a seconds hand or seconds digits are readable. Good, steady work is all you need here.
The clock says 11:13:31
